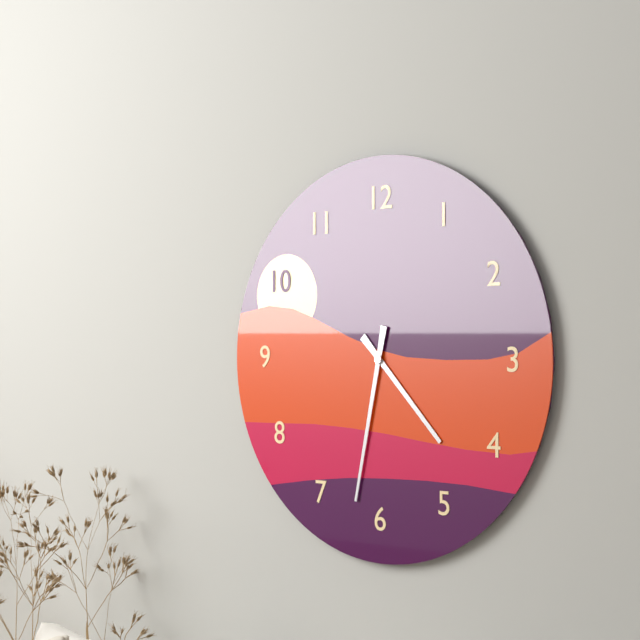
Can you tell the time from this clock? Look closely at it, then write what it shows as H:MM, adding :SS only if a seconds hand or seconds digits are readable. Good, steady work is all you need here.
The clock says 4:32
